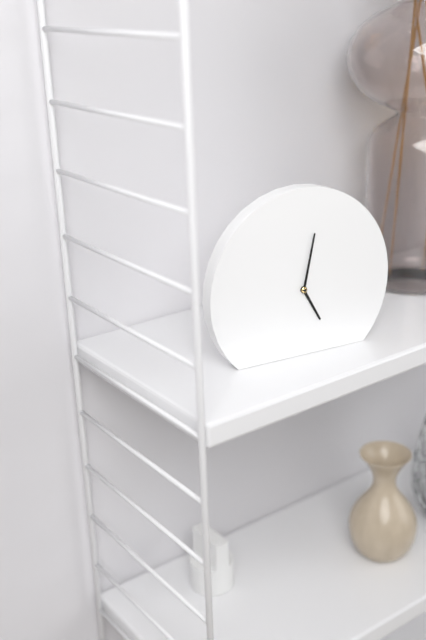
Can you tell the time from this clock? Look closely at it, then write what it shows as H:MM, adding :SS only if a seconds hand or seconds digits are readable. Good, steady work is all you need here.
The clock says 5:02
